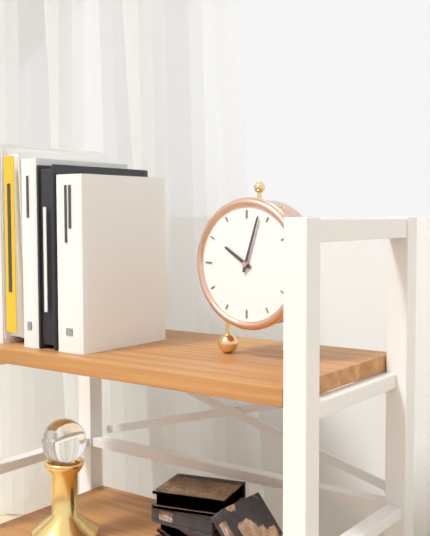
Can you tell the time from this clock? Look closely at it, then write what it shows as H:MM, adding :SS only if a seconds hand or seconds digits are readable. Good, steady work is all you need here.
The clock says 10:03
